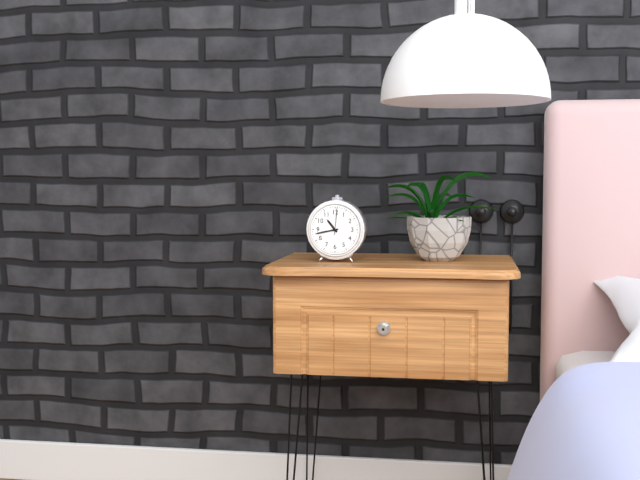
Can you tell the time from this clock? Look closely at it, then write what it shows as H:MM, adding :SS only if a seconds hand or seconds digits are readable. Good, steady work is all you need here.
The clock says 10:43
